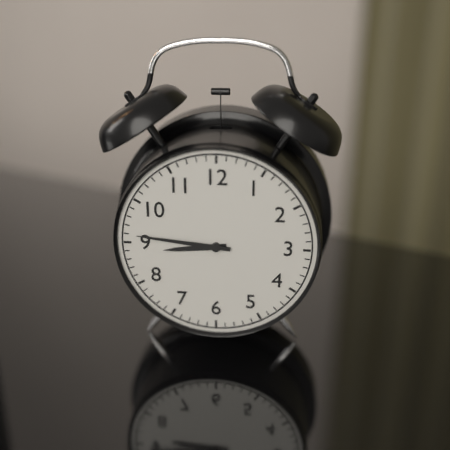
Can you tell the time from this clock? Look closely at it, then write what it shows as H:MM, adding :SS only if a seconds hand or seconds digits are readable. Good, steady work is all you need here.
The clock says 8:46
